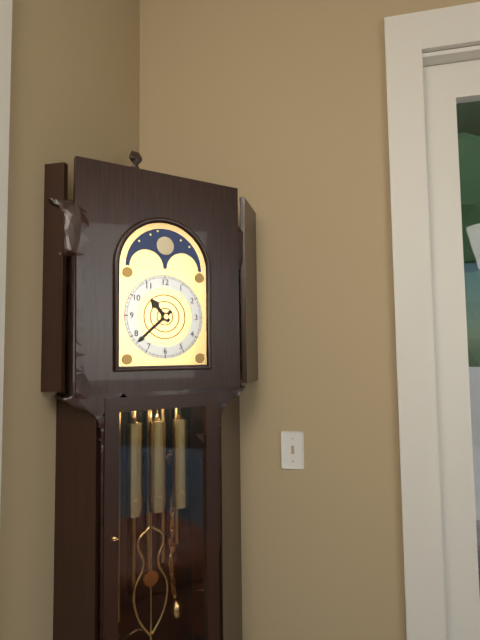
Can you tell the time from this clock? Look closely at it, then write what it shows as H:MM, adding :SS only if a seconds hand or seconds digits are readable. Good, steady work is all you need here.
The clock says 10:38
